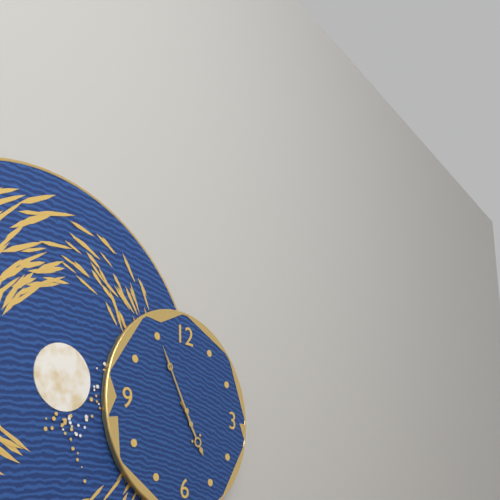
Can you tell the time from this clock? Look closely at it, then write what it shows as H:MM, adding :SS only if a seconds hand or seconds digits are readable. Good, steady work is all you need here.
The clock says 4:55
